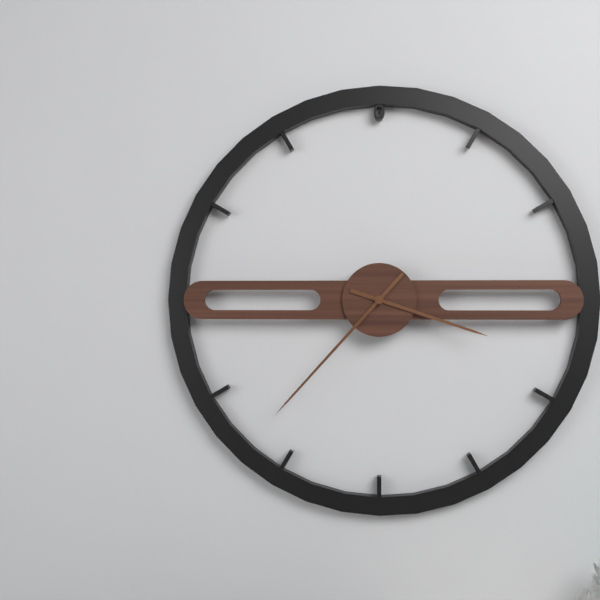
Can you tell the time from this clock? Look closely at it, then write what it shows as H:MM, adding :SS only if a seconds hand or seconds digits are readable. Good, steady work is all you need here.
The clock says 3:37
